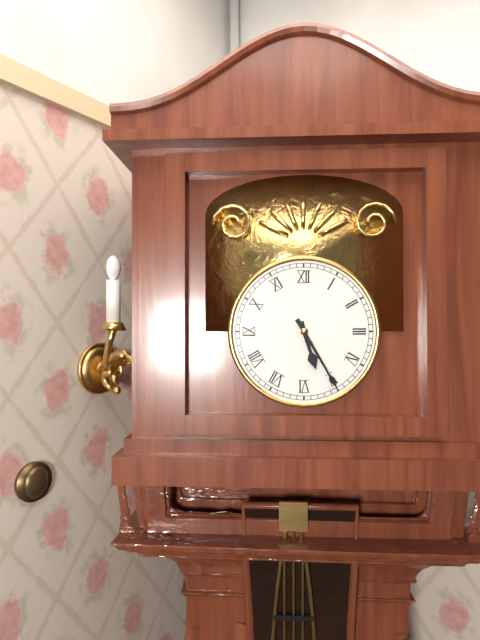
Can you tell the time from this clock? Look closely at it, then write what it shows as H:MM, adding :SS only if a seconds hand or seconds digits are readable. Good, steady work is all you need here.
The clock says 5:25
